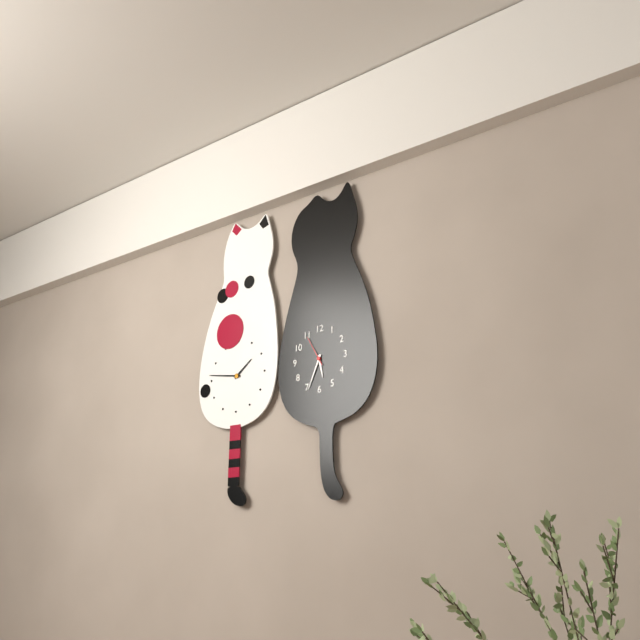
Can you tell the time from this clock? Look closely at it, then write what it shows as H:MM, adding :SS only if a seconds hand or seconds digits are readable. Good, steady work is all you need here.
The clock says 5:34
